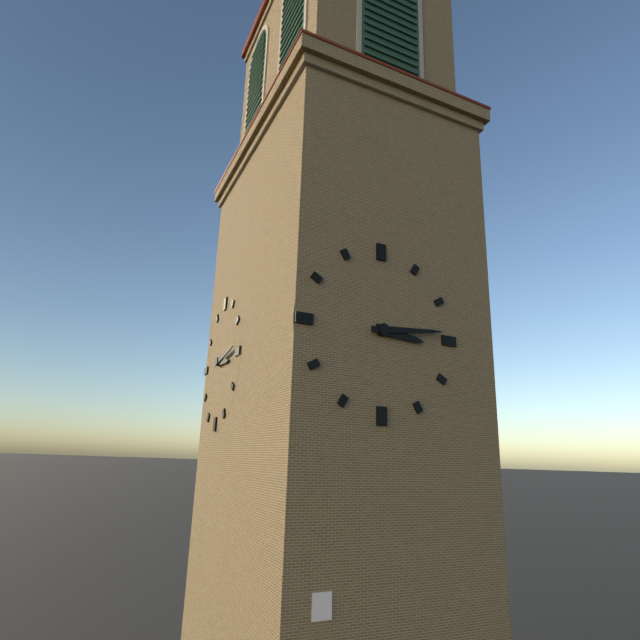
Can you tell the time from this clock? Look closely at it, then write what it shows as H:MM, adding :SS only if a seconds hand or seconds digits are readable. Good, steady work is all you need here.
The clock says 3:14
